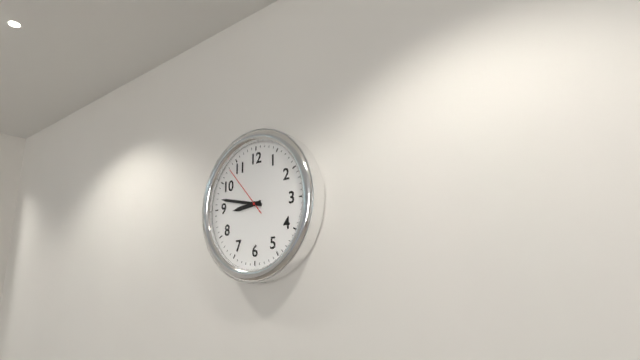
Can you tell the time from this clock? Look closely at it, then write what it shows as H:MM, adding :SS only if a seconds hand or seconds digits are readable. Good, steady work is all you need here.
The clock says 8:47:53
